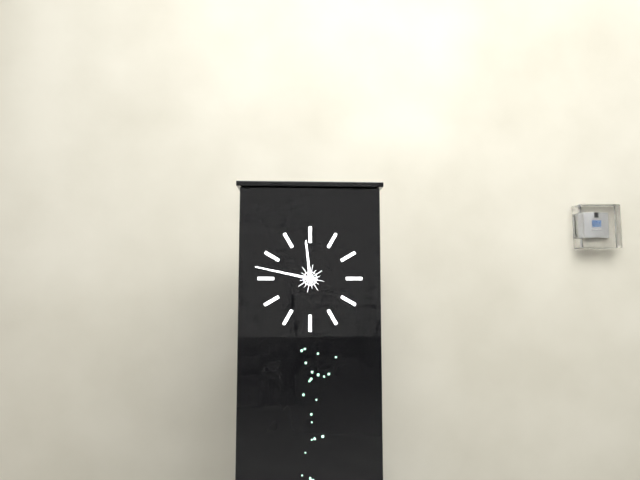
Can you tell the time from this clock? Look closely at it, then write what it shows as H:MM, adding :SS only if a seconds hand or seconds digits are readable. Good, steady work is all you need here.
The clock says 11:47
